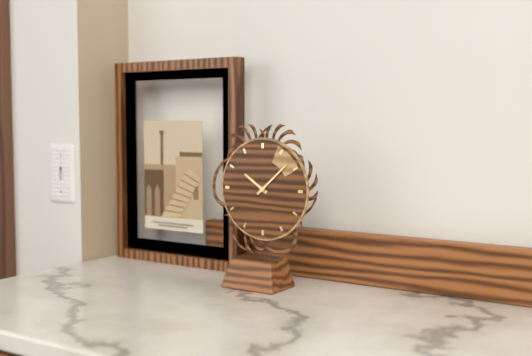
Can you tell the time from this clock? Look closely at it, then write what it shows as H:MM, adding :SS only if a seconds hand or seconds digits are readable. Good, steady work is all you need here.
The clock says 10:08
